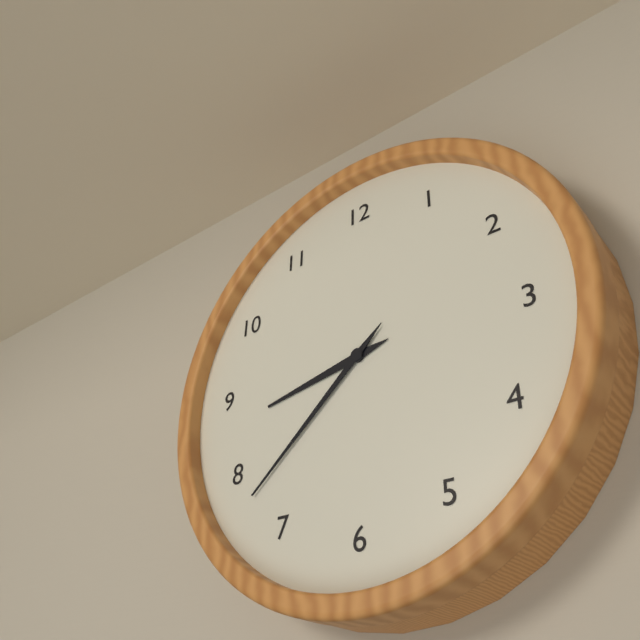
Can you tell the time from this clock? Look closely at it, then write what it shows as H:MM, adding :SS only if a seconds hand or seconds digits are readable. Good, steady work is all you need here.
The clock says 8:38
